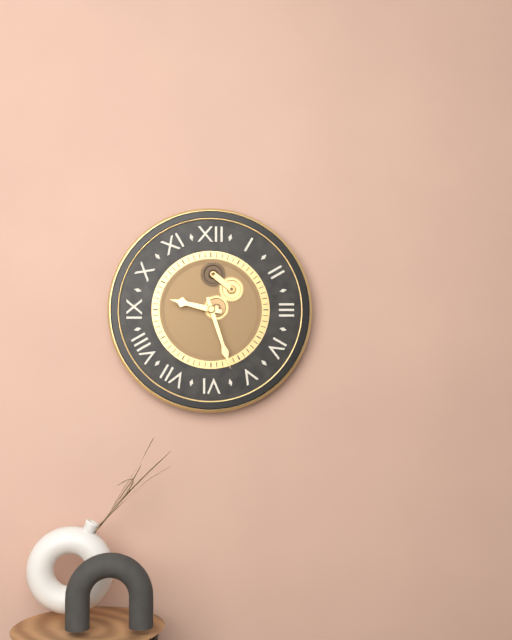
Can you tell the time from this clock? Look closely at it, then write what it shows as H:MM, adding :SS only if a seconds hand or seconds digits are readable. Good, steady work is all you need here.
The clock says 9:27
